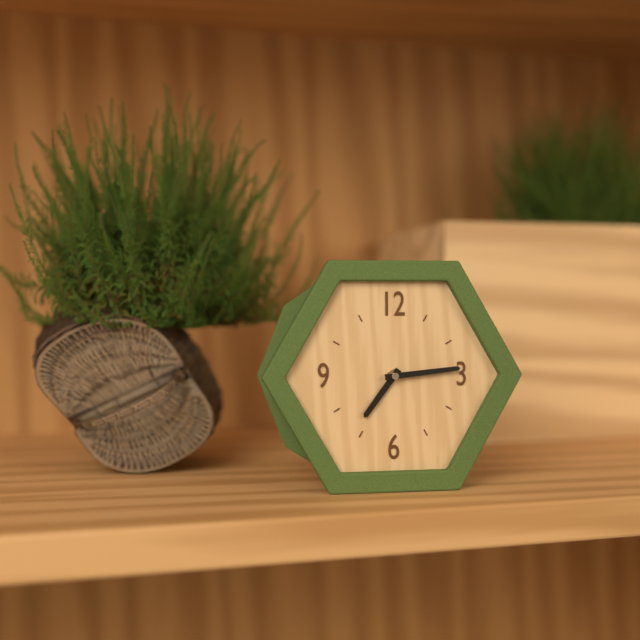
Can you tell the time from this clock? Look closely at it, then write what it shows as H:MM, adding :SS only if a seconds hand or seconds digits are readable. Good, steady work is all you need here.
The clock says 7:14
